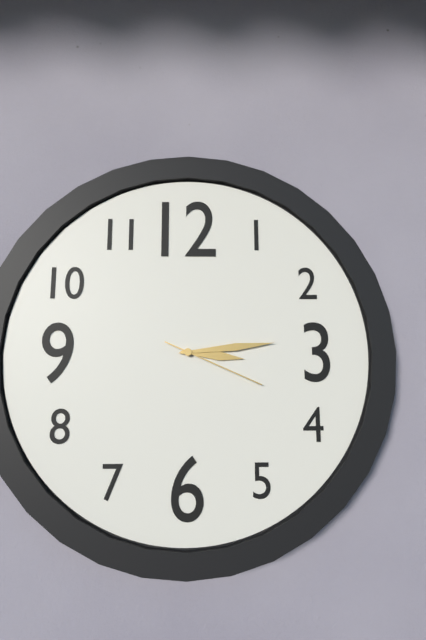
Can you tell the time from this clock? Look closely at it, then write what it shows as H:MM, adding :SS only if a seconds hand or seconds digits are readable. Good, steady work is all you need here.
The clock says 3:14:19
